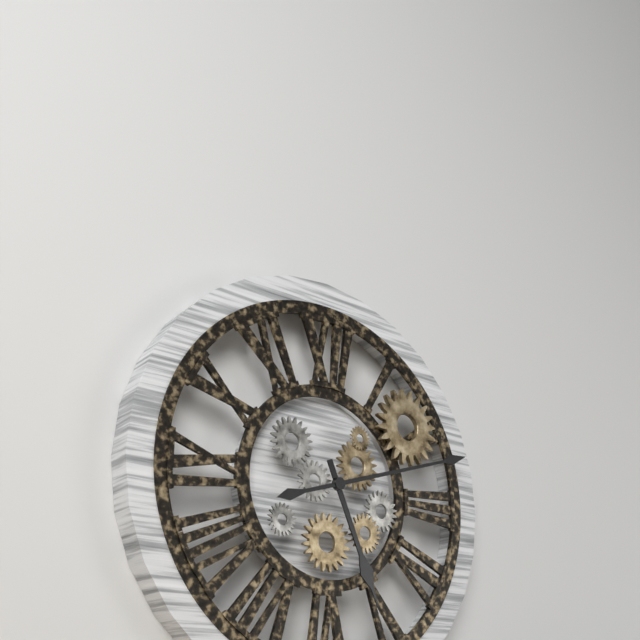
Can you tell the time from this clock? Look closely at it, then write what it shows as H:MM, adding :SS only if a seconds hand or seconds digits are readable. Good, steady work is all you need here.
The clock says 5:12
